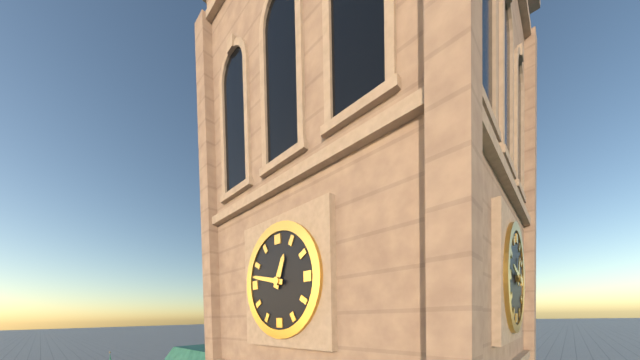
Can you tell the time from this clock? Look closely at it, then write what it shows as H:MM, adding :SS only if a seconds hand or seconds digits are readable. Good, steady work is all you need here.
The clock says 12:47
